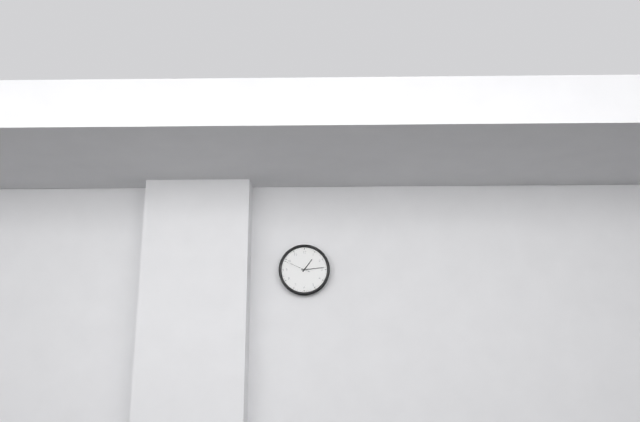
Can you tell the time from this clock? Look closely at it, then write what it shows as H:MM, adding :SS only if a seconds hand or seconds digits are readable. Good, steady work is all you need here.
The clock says 1:14
